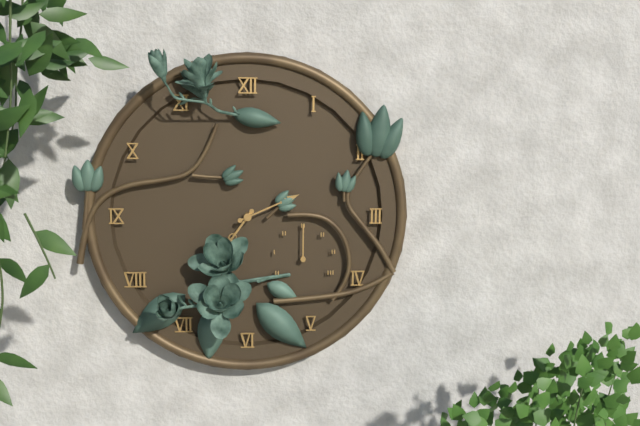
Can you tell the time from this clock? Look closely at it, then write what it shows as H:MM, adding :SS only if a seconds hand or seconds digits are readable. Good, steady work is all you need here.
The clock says 7:11
